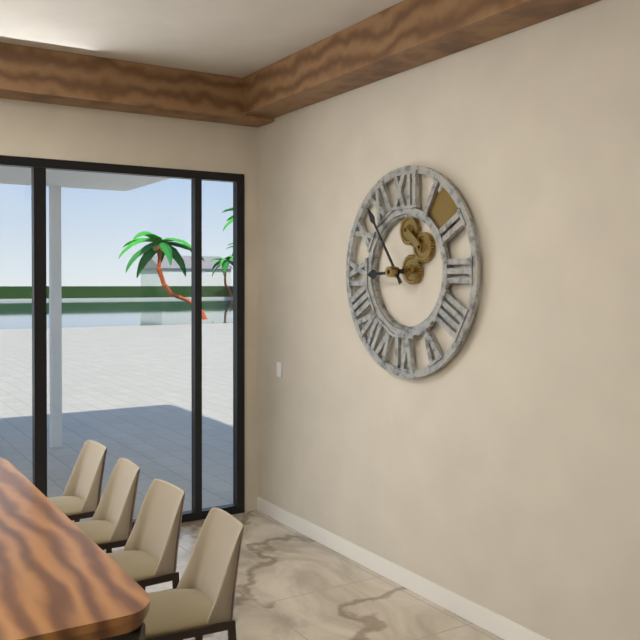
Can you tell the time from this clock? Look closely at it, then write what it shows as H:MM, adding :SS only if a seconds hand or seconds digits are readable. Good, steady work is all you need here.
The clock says 8:54
